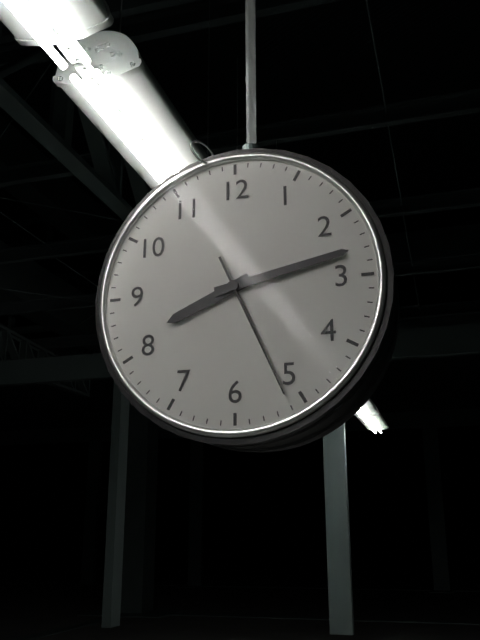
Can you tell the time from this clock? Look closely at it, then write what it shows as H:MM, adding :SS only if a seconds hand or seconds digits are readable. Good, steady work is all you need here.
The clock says 8:13:26
